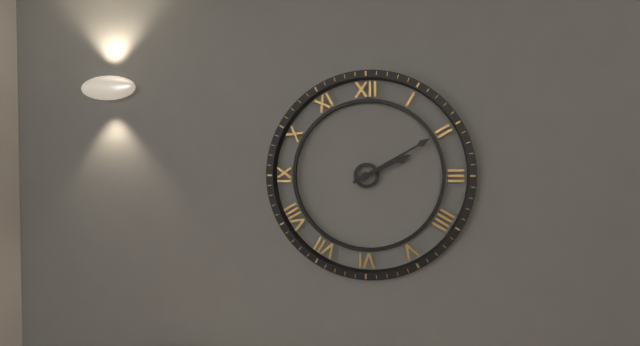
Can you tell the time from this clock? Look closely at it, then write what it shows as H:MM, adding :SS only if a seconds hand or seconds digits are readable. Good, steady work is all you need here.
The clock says 2:10
